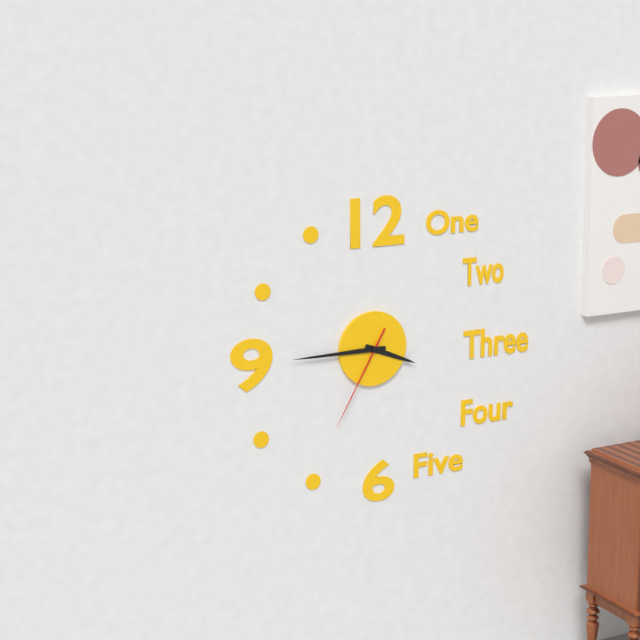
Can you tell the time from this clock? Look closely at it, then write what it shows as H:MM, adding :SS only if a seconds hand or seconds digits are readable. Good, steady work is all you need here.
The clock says 3:45:35
